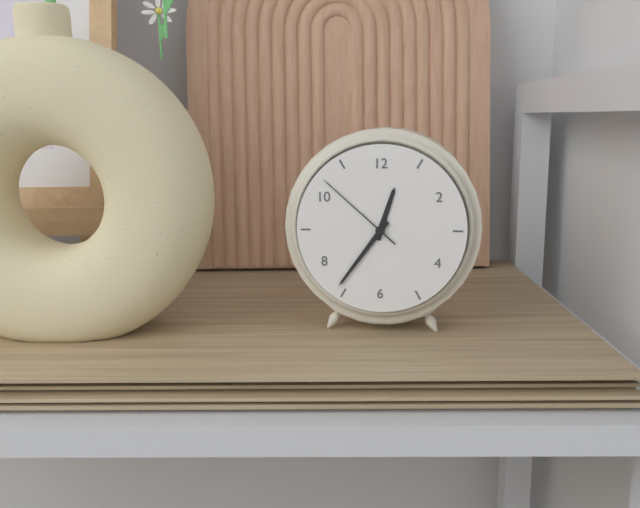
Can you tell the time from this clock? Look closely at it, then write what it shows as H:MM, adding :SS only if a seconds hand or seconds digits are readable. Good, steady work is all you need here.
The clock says 12:36:52
